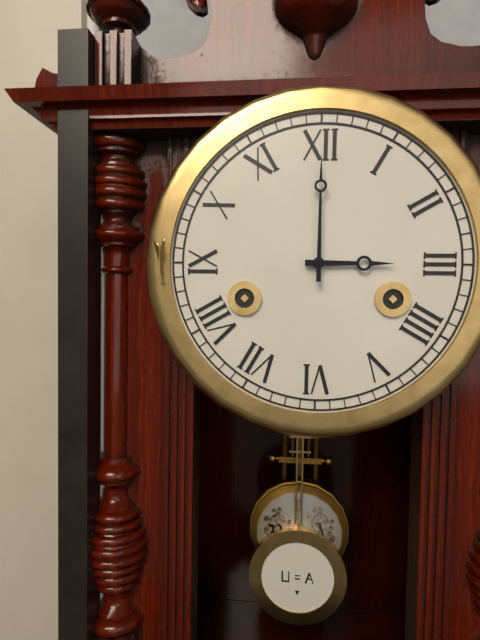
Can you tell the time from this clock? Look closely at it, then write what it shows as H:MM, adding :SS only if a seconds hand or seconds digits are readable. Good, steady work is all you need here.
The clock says 3:00
